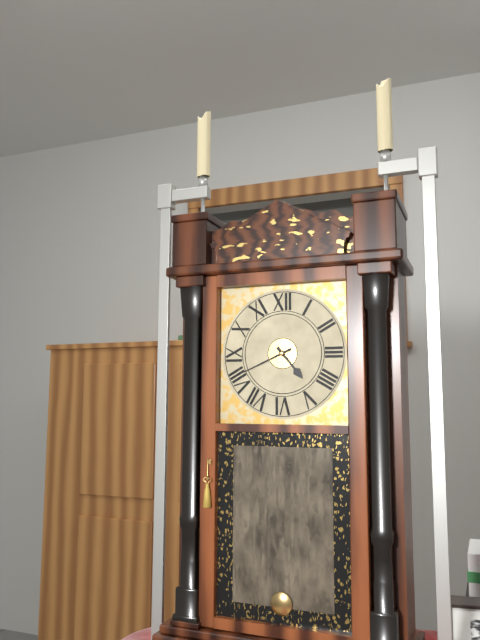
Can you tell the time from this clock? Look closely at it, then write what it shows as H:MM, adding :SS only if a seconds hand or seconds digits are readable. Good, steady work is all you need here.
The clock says 4:41
